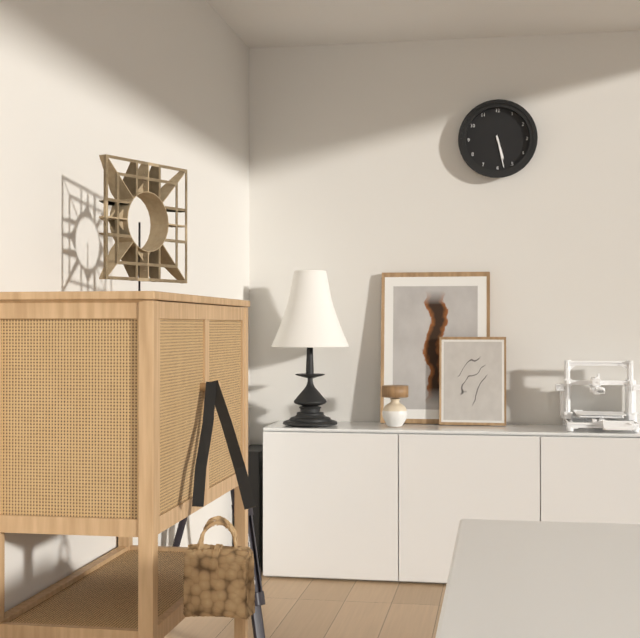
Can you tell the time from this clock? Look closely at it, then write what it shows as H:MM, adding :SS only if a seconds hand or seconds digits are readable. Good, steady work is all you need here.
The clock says 5:28
